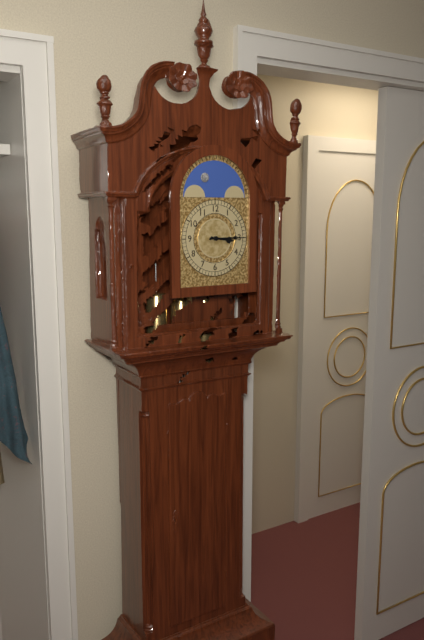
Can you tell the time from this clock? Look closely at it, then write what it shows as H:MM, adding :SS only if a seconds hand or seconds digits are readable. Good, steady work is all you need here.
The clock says 3:15
